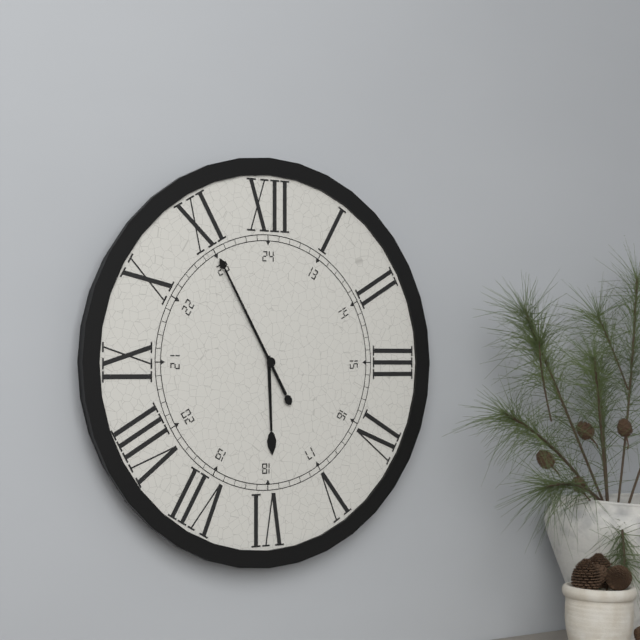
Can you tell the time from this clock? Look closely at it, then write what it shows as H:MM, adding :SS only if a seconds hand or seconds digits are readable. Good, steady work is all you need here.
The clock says 5:55
